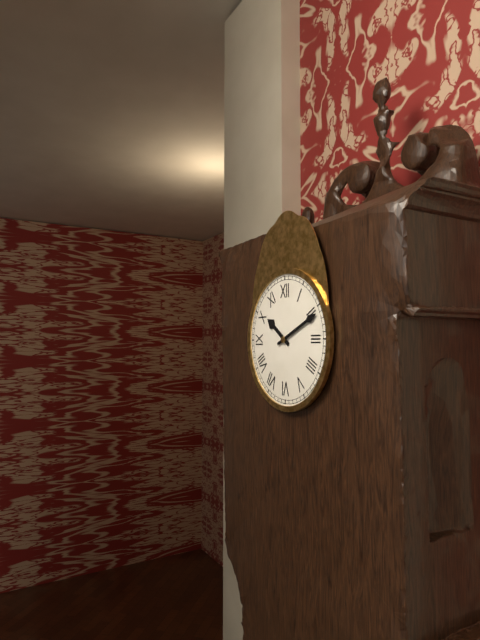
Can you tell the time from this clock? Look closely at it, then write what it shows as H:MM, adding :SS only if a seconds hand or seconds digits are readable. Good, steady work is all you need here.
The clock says 10:11
